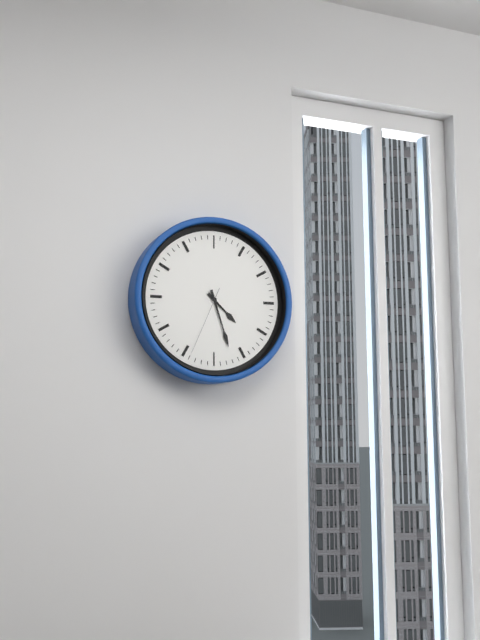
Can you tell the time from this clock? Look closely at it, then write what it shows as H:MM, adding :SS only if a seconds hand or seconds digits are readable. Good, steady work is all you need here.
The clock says 4:27:34
